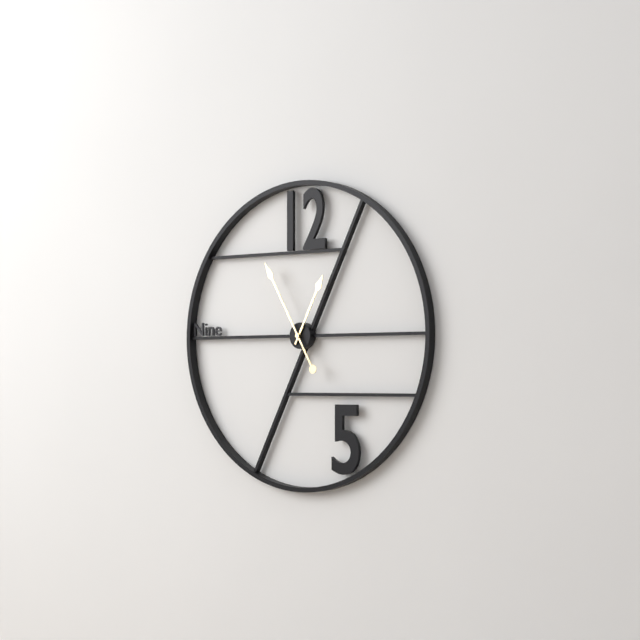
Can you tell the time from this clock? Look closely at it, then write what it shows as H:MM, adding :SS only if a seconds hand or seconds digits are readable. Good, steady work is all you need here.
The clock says 12:55
